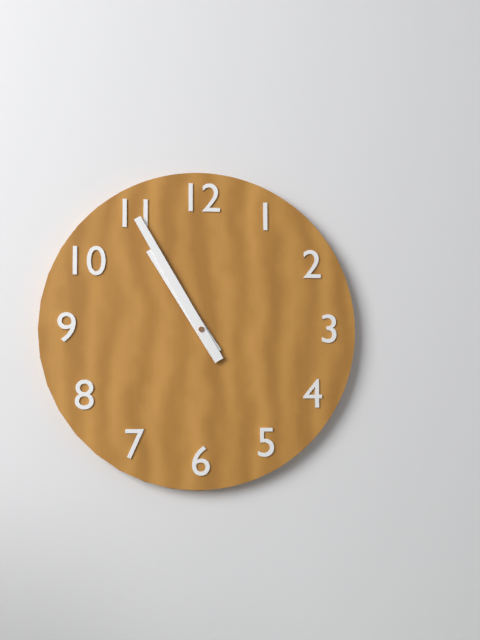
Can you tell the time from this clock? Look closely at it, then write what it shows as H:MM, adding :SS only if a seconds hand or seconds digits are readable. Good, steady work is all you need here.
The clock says 10:55
